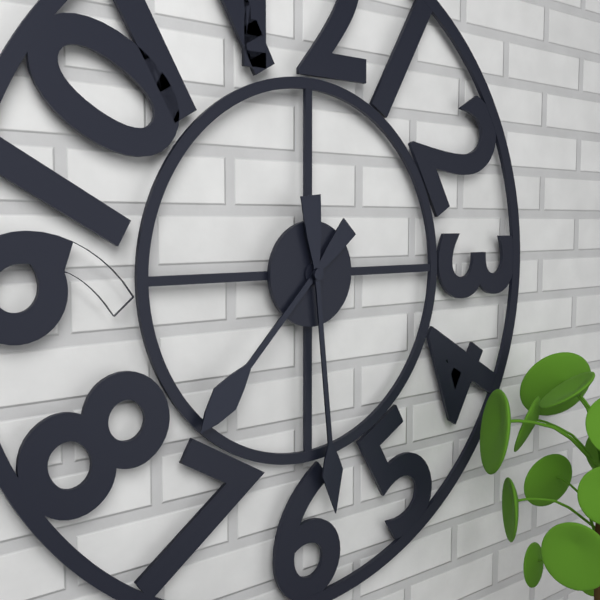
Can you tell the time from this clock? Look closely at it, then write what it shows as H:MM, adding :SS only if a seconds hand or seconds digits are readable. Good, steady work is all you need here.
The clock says 7:29
